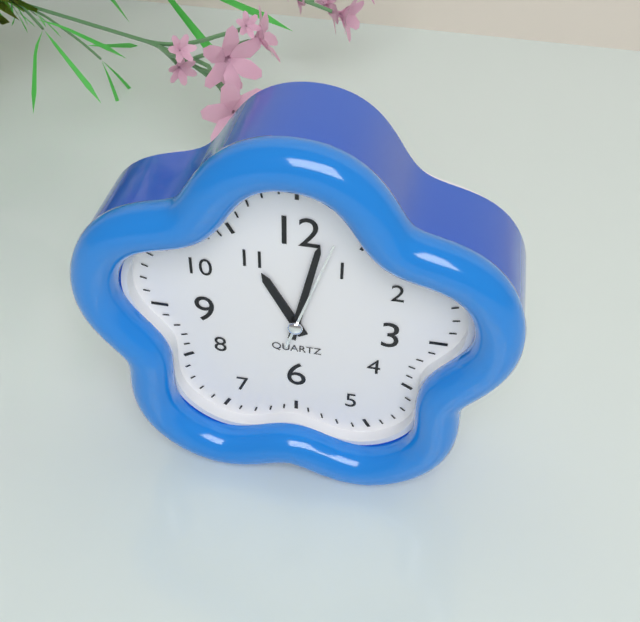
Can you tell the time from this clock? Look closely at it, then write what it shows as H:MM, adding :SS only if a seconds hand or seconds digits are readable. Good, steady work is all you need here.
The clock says 11:02:03
